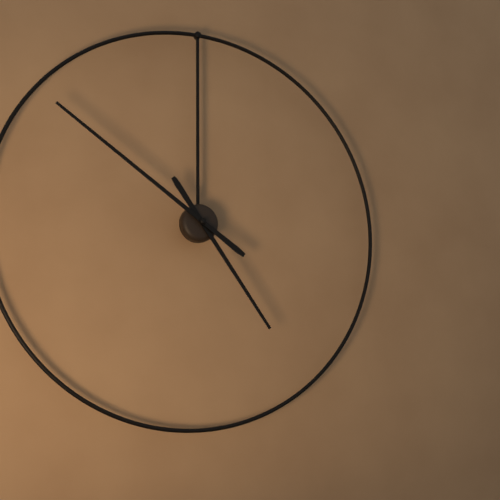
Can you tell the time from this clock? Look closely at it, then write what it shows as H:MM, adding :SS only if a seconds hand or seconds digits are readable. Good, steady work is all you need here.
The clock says 4:51
